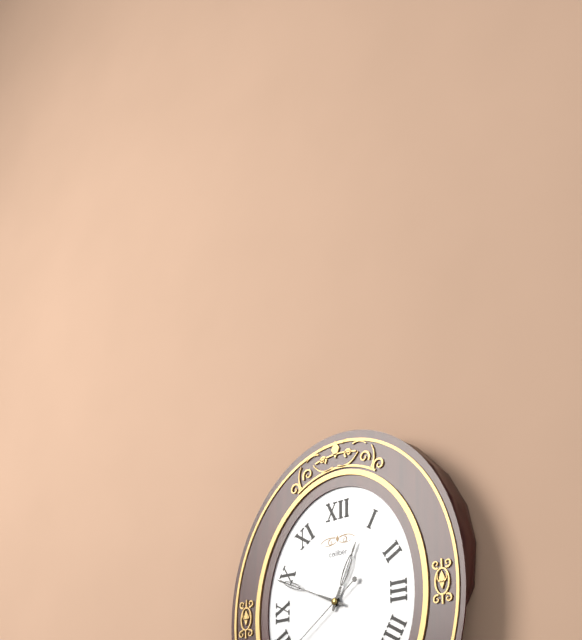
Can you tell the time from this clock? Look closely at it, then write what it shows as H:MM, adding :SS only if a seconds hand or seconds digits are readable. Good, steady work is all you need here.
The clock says 12:49
